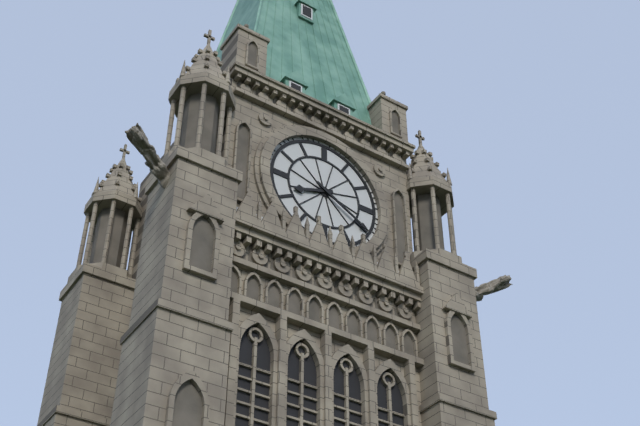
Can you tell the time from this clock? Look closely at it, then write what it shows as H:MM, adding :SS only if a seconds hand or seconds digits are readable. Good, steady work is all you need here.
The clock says 8:20
